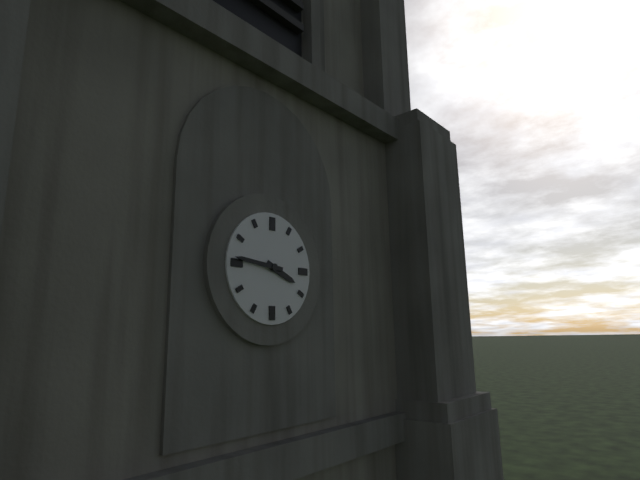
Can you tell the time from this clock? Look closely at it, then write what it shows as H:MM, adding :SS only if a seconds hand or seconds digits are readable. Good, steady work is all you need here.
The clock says 3:46
